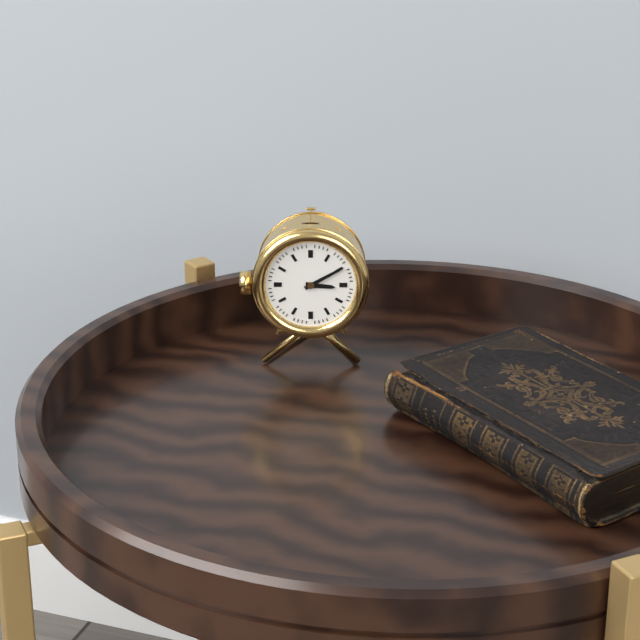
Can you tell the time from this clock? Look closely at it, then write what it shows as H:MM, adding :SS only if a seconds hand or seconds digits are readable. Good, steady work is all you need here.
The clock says 3:10
